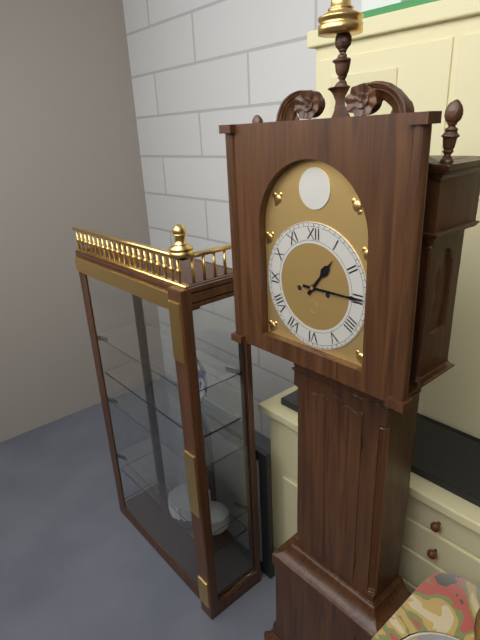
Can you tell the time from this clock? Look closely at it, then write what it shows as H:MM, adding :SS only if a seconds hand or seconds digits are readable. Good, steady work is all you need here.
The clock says 1:15
